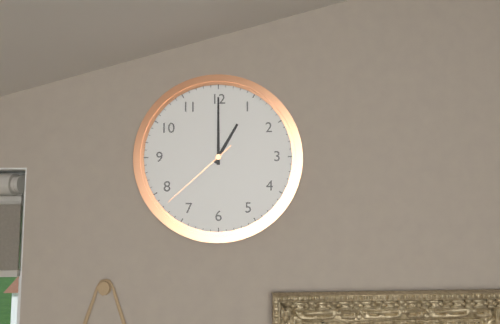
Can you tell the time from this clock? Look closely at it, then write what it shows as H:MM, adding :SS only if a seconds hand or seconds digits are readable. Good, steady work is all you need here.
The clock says 1:00:38
